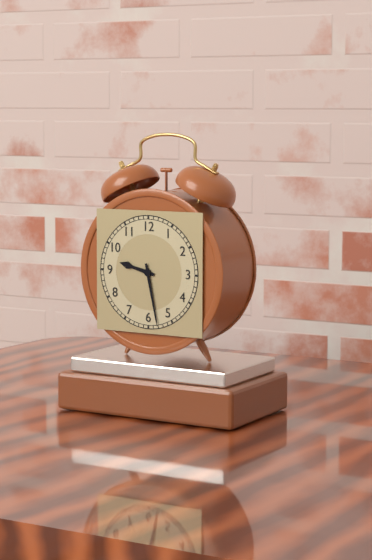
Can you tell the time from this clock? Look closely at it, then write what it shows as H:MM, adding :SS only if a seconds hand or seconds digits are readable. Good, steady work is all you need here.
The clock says 9:28
